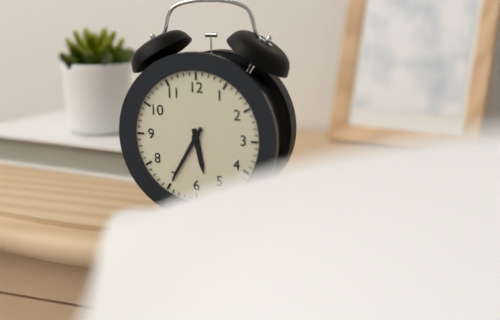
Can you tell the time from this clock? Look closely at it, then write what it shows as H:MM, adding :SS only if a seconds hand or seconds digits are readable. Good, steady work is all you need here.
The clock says 5:35
